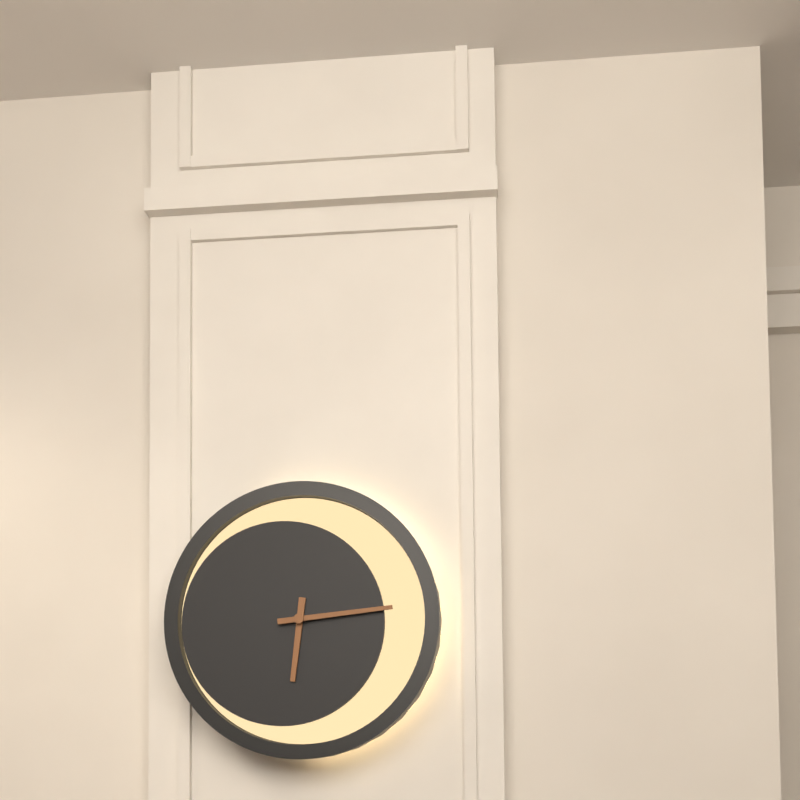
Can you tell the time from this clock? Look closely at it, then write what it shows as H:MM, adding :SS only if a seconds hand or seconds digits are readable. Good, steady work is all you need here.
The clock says 6:14
